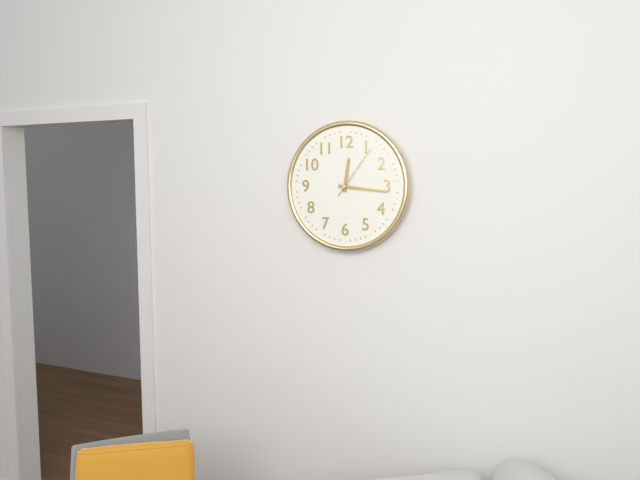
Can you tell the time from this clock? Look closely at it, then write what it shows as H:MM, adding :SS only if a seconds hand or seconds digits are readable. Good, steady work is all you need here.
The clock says 12:16:06
